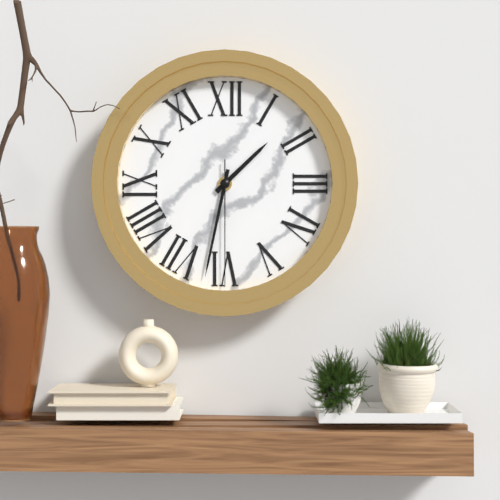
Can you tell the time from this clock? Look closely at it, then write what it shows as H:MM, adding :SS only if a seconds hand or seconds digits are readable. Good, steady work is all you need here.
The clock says 1:32:30
